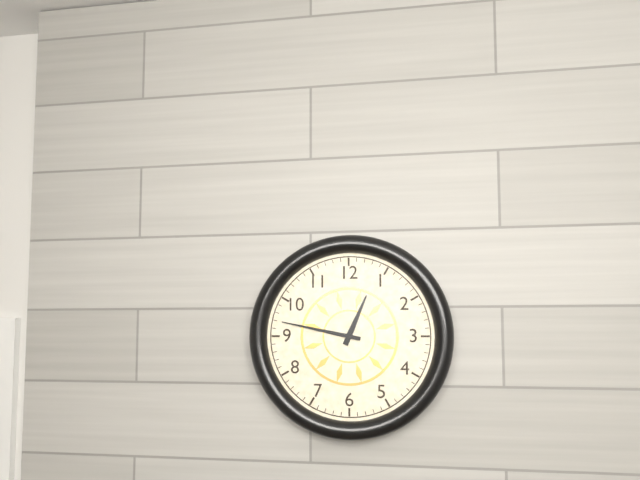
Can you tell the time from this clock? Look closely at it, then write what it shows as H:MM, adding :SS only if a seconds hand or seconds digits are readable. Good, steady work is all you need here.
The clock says 12:47
